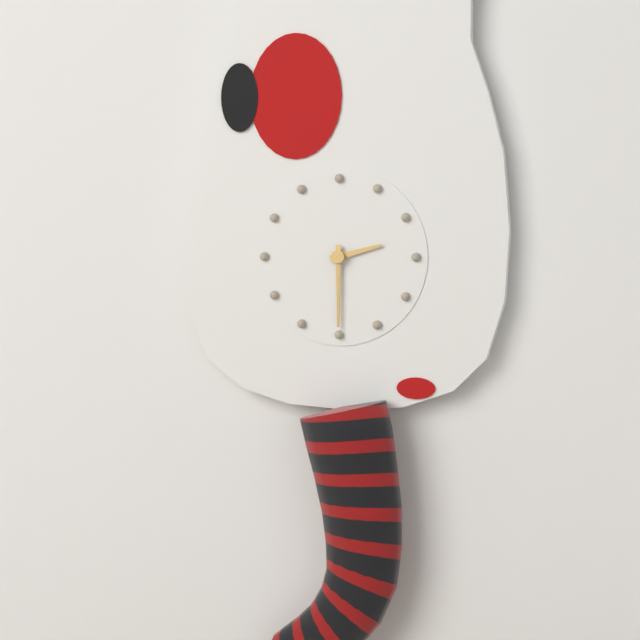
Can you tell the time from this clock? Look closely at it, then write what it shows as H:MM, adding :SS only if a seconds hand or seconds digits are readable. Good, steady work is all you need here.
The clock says 2:30
